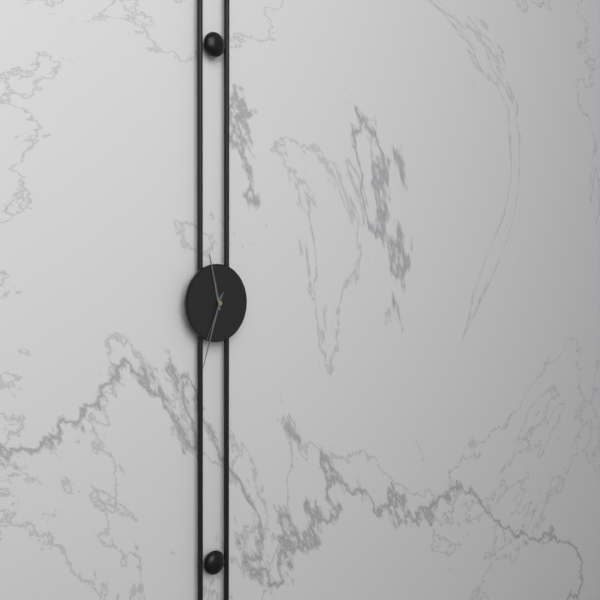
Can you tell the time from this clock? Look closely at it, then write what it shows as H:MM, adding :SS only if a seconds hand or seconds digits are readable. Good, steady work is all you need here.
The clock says 11:33:34
